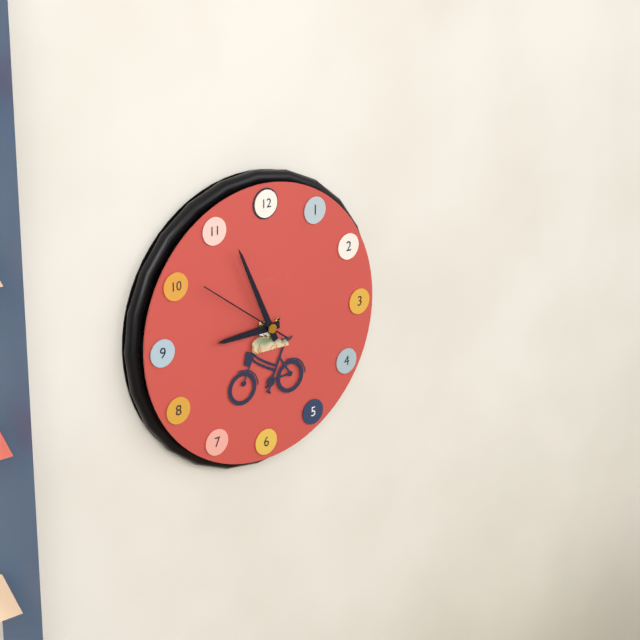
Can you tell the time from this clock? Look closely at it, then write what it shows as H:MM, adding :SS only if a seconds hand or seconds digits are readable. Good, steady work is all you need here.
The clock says 8:56:51
